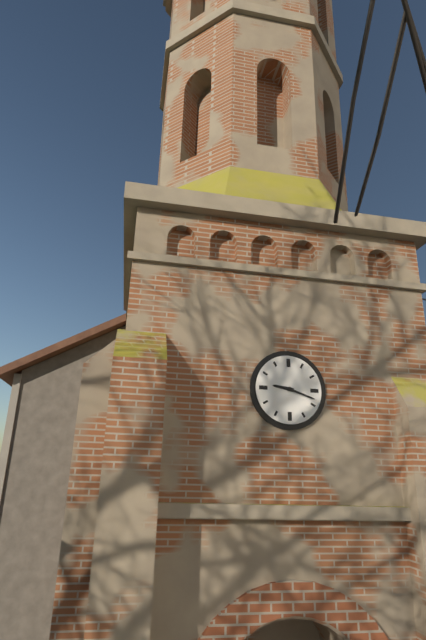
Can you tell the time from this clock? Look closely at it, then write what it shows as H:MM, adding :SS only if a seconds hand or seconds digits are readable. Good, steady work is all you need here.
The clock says 9:18
